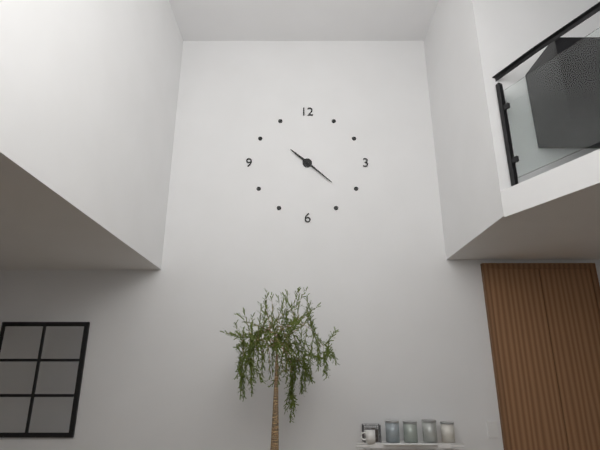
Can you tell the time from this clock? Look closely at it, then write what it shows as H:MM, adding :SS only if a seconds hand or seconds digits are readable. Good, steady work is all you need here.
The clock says 10:22
